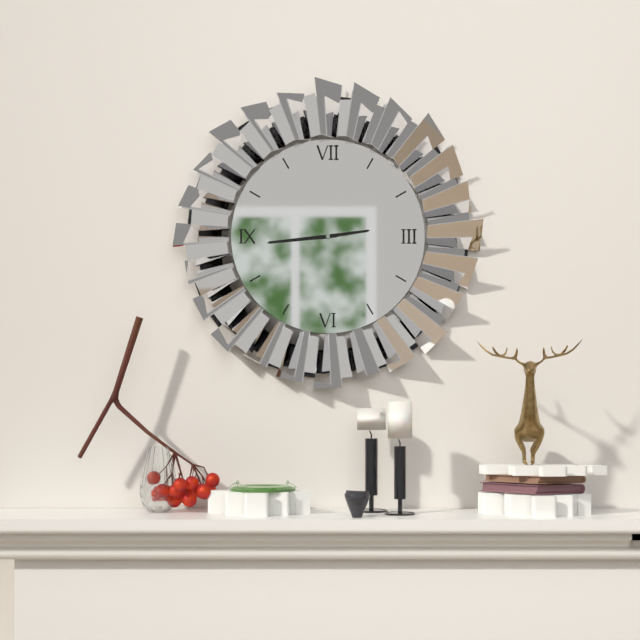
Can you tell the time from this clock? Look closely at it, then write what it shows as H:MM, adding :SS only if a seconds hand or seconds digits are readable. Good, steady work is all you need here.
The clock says 2:44
